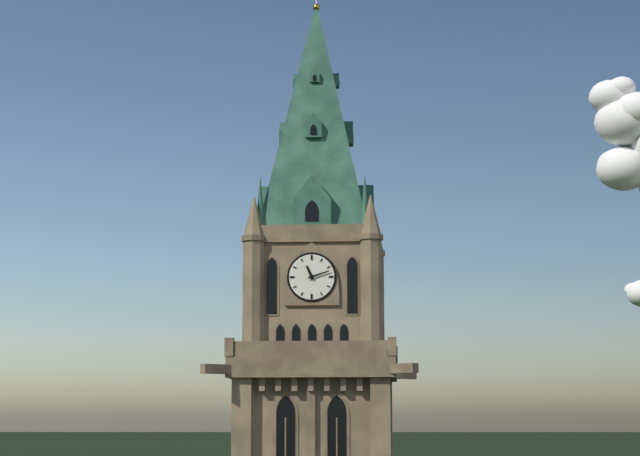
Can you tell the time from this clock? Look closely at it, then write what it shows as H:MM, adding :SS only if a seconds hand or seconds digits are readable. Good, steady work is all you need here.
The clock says 11:12
